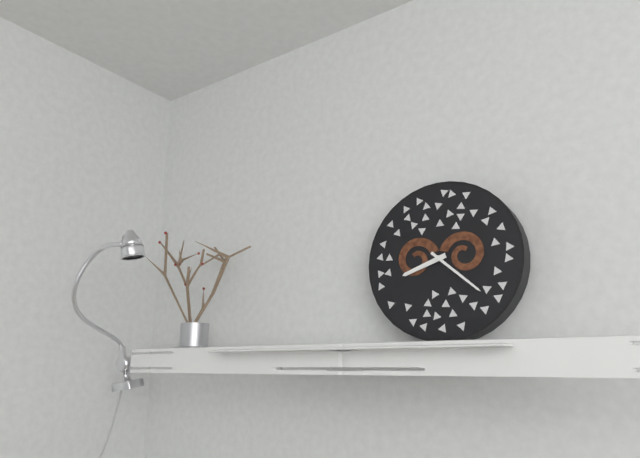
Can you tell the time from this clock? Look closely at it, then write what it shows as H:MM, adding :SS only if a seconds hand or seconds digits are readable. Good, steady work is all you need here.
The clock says 8:22
